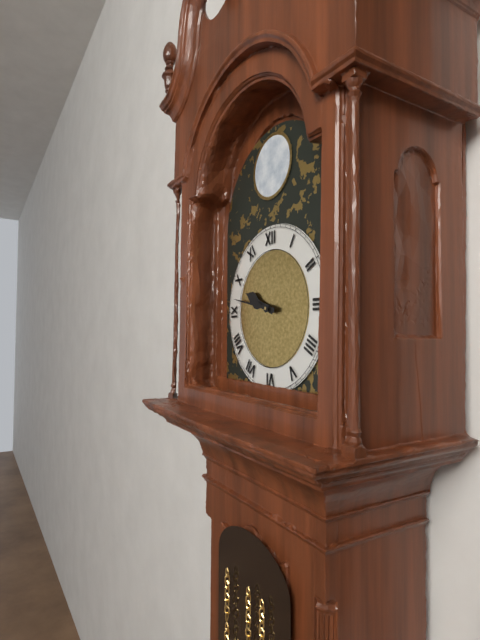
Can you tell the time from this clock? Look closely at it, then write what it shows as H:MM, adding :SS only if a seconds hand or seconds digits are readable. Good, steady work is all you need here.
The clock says 9:47
